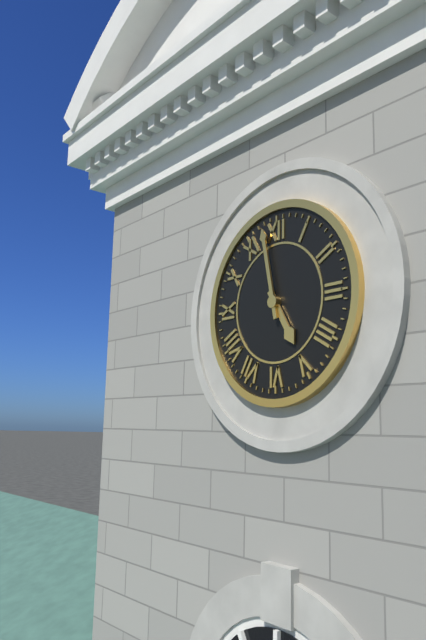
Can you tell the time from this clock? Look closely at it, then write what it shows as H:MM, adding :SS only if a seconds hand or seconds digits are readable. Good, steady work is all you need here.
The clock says 4:58
